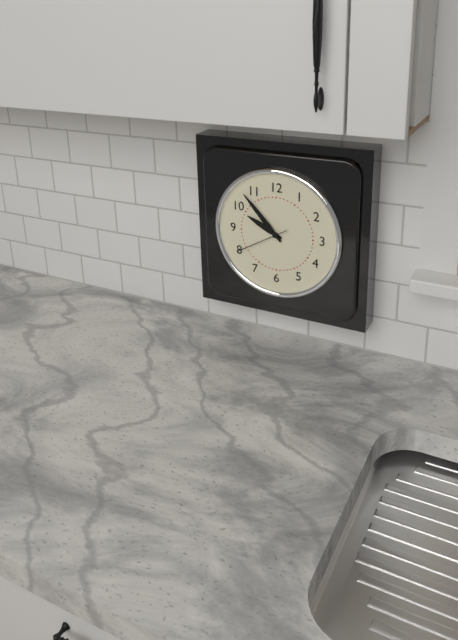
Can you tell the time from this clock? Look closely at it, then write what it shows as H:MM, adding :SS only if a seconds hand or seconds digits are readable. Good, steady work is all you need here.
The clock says 9:53:40
